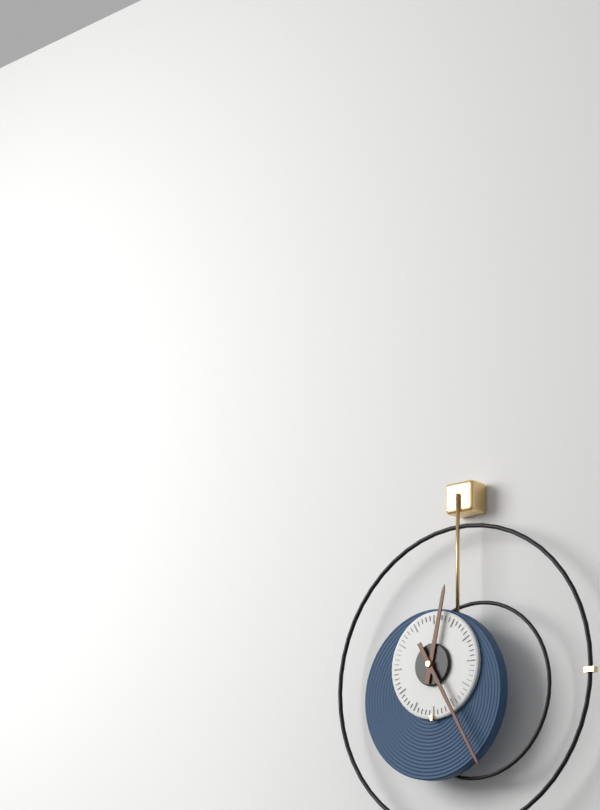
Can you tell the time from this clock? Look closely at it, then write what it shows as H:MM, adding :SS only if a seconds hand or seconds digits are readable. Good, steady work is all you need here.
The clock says 12:25
